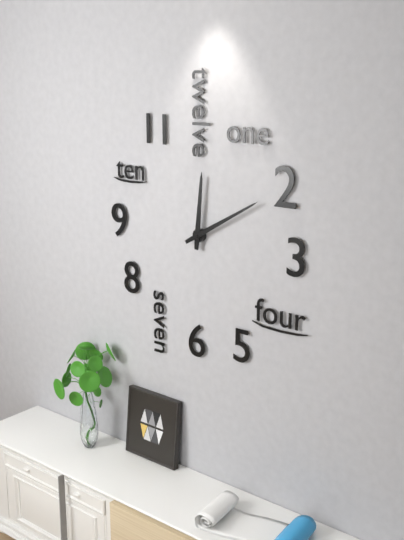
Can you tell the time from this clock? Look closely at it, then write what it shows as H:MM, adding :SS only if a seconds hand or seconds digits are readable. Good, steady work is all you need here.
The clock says 12:10
